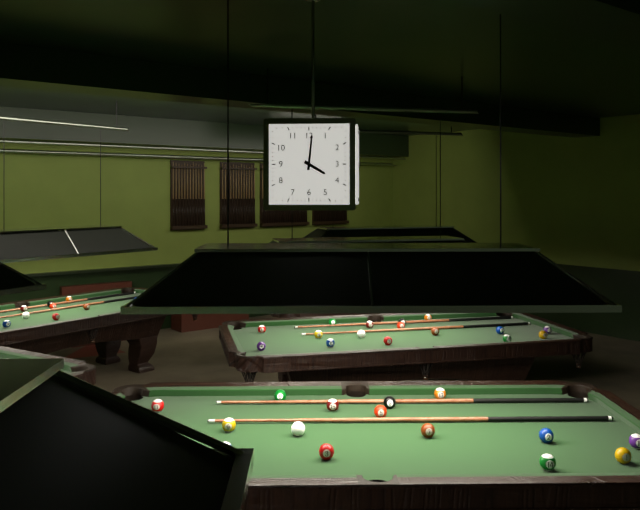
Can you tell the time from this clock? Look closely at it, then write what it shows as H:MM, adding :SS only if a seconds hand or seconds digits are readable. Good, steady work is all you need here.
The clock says 4:01
